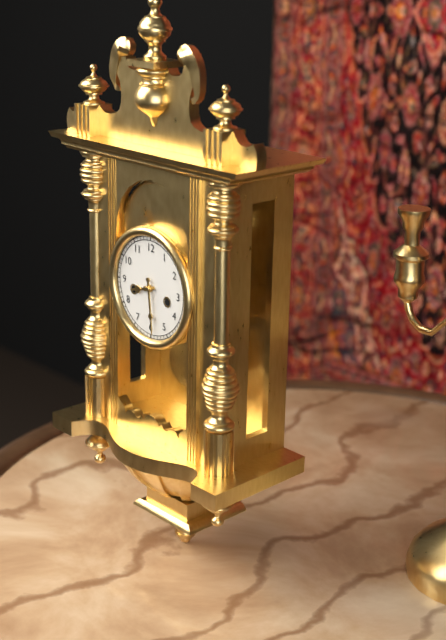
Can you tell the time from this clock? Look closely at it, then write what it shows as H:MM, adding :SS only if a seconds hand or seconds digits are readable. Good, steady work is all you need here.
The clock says 8:29
